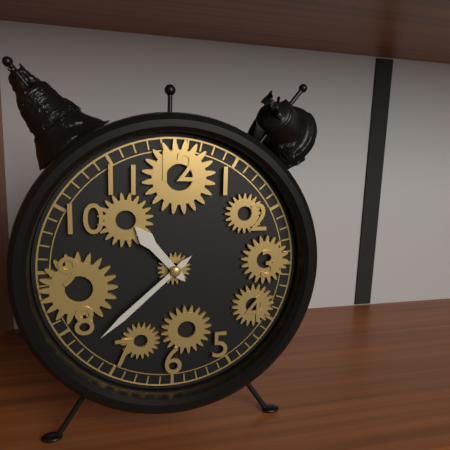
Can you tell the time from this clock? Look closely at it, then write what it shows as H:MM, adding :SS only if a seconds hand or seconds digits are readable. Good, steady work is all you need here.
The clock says 10:38
